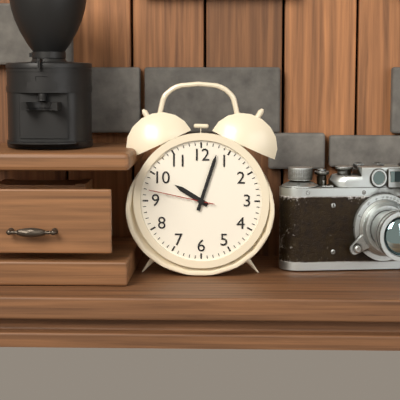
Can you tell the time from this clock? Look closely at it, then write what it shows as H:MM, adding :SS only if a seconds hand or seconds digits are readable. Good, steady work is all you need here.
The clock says 10:03:47
